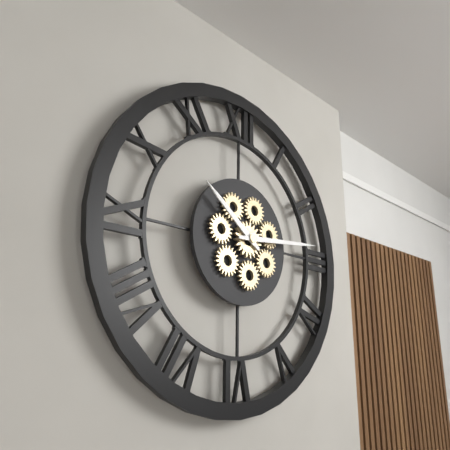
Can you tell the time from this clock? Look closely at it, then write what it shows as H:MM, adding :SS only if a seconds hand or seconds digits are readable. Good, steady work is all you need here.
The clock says 10:14
